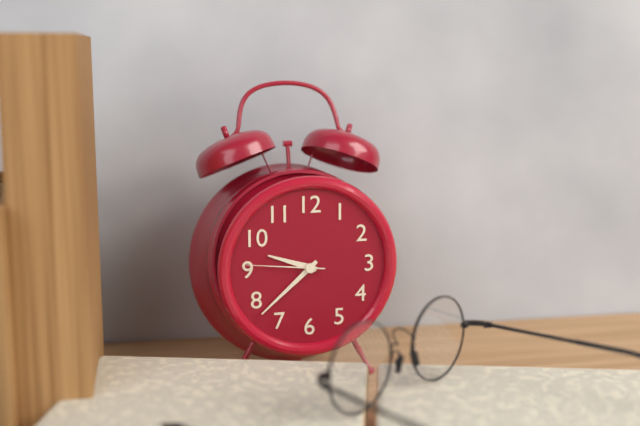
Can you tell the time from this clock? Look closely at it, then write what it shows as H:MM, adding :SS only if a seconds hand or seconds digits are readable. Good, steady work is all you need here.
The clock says 9:38:46
